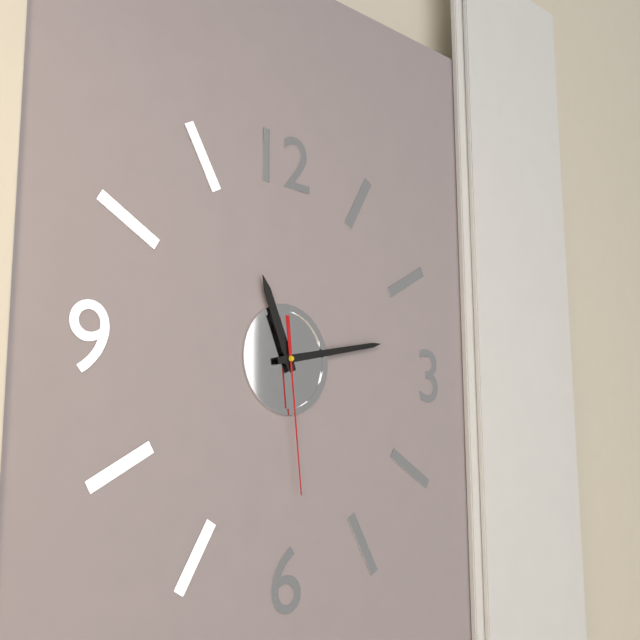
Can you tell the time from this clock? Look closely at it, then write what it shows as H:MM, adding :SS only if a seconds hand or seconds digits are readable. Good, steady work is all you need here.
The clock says 11:13:29
